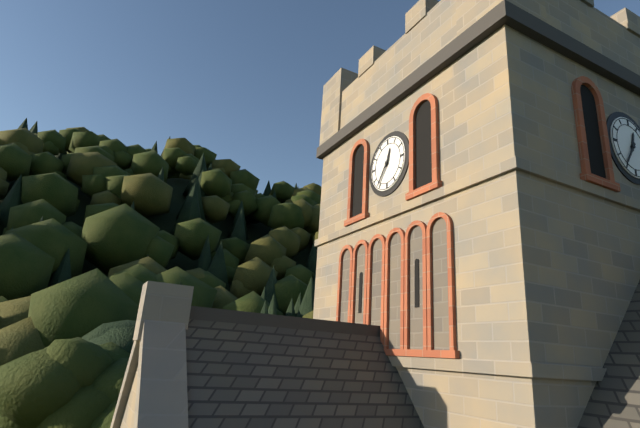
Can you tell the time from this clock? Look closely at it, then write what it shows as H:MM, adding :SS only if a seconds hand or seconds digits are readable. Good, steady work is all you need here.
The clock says 12:36
